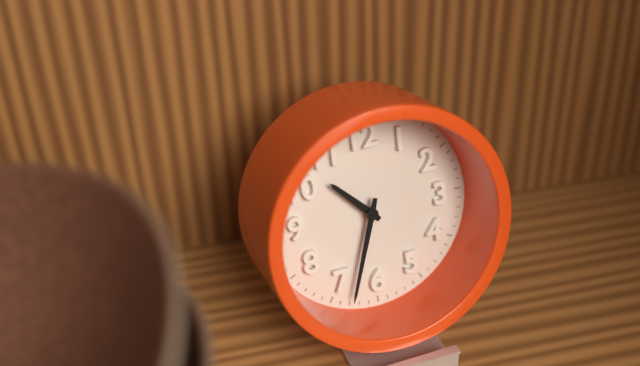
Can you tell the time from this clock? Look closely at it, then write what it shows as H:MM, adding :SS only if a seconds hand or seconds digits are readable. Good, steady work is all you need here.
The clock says 10:33
